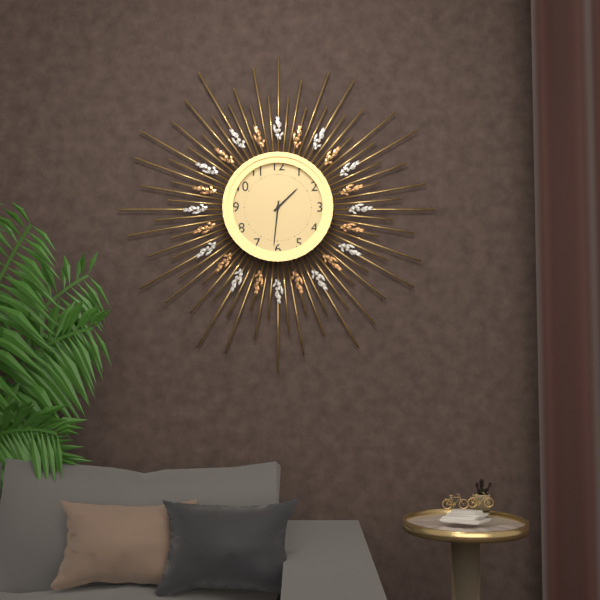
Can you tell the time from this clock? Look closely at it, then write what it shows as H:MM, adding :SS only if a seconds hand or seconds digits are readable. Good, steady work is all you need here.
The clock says 1:31
